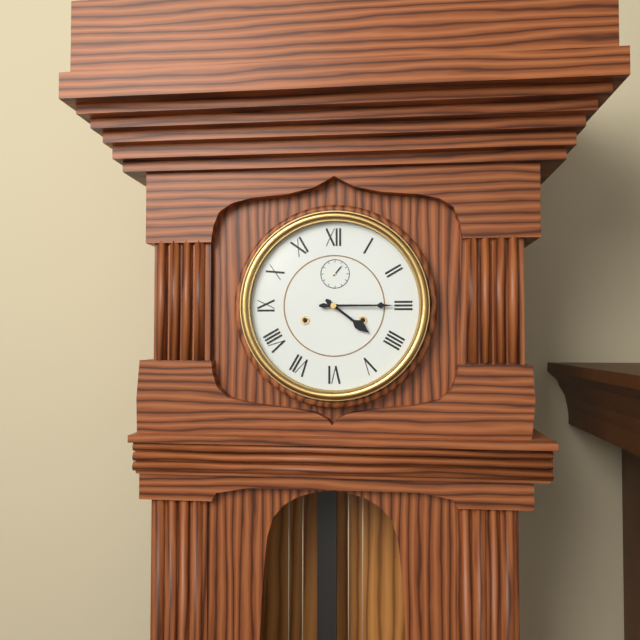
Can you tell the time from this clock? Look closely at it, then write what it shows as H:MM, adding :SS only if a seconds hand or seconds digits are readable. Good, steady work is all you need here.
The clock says 4:15
